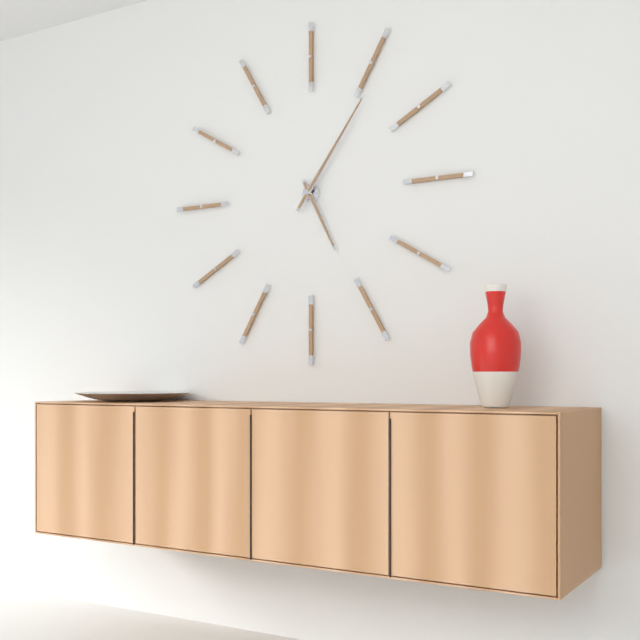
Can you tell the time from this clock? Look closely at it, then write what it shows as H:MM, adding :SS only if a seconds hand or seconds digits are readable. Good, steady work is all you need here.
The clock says 5:06
